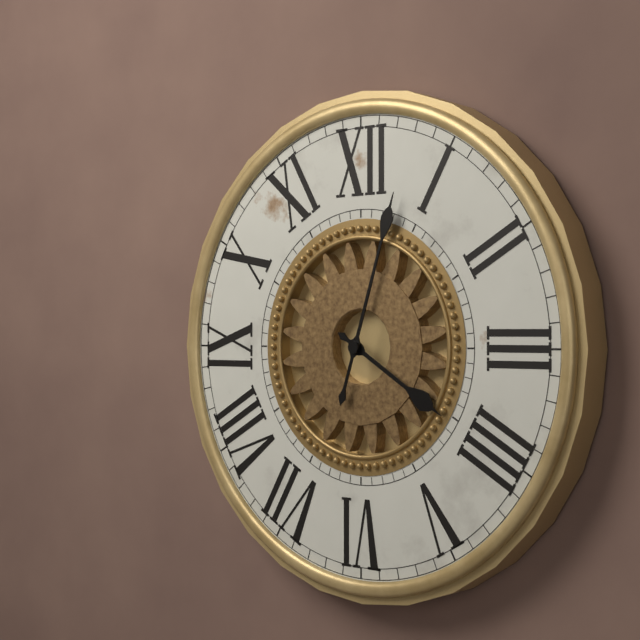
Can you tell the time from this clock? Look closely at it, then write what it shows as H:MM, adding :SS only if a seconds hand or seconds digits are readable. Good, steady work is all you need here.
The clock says 4:03
